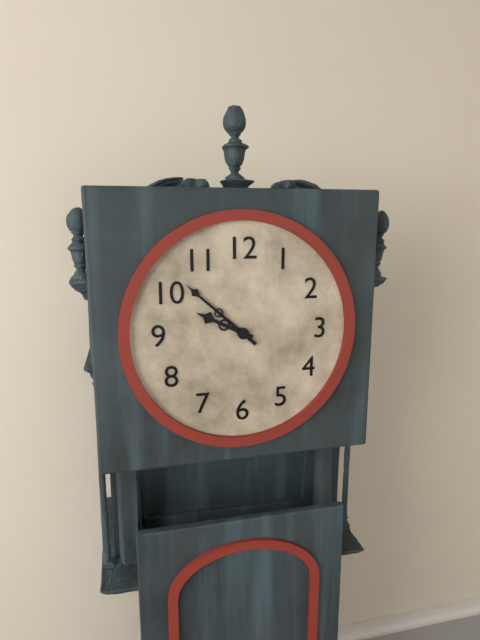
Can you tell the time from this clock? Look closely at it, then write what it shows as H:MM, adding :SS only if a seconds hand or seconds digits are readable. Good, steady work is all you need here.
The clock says 9:52
